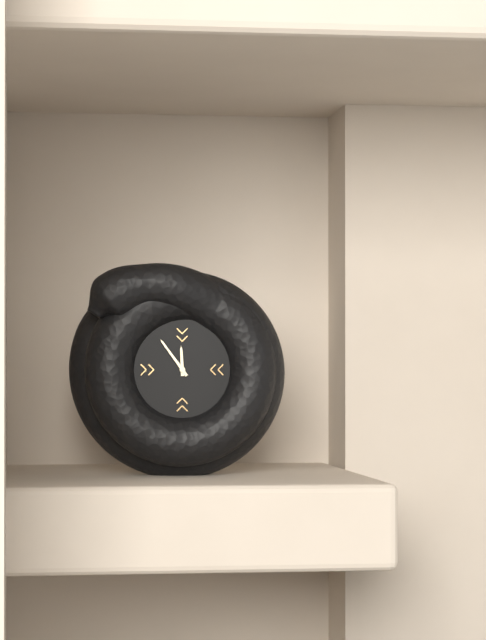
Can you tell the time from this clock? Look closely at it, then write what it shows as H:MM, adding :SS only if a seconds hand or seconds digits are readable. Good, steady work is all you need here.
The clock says 11:54
